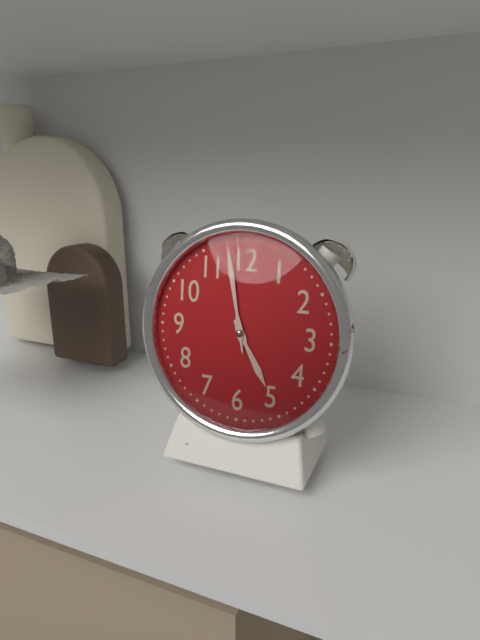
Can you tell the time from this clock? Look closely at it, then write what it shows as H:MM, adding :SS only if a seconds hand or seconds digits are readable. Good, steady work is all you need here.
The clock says 4:58
